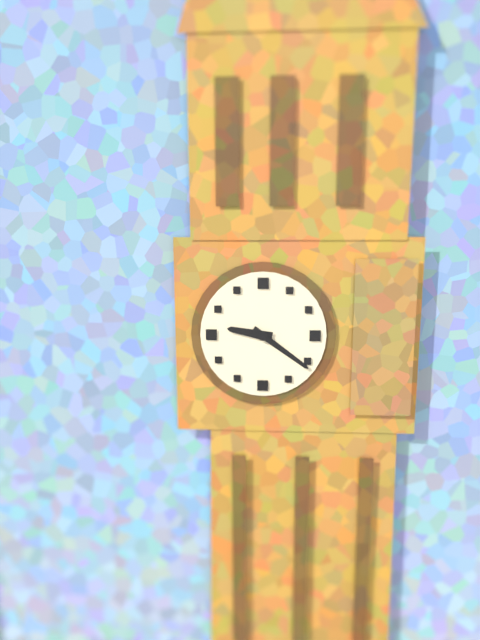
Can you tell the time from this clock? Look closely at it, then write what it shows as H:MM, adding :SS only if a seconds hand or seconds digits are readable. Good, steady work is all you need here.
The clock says 9:21
